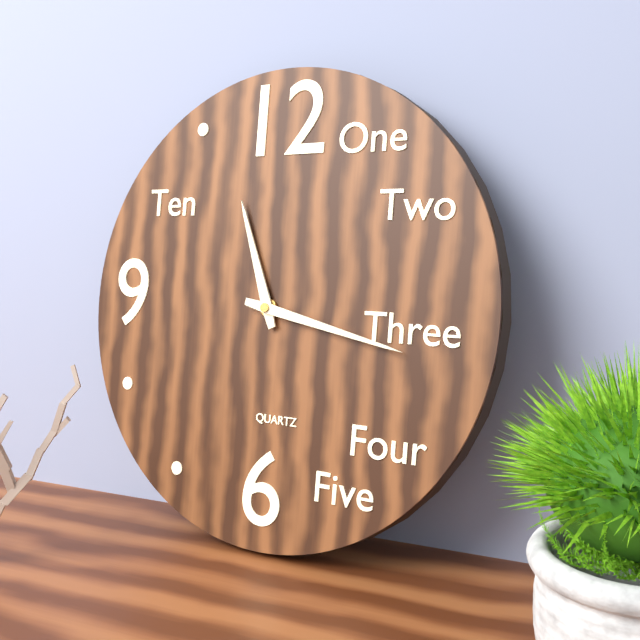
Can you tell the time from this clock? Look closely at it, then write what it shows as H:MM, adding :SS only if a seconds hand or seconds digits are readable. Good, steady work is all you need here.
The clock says 11:17
